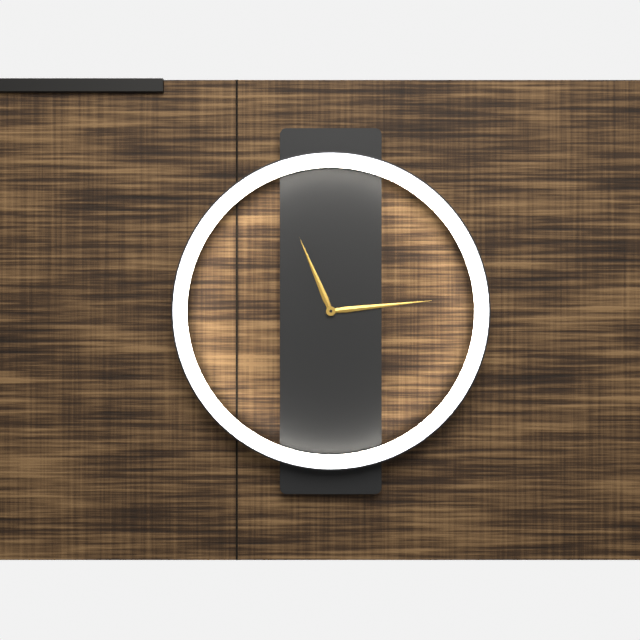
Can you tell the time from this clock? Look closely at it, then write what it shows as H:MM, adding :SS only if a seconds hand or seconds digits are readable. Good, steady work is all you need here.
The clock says 11:14
